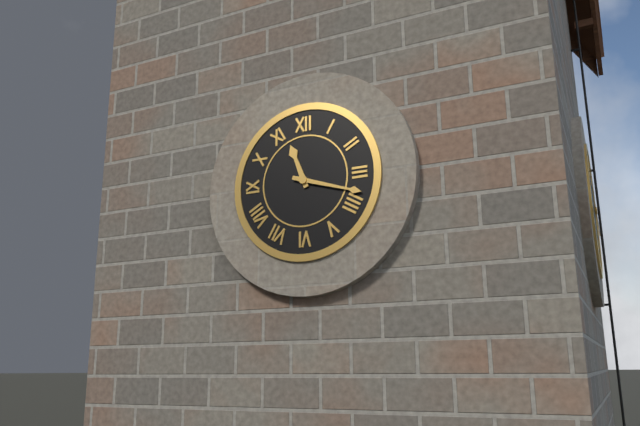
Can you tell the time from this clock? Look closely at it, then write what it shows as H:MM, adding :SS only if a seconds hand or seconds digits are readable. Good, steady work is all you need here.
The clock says 11:18
